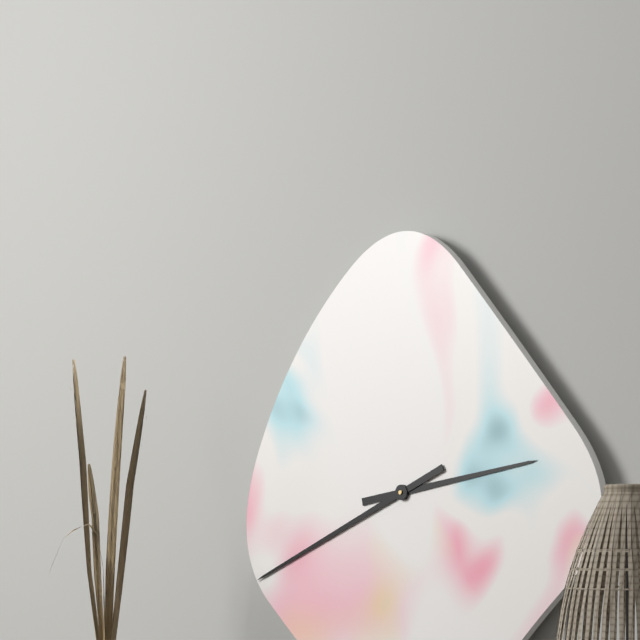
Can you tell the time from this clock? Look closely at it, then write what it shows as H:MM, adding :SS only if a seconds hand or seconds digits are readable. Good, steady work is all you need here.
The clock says 2:41
